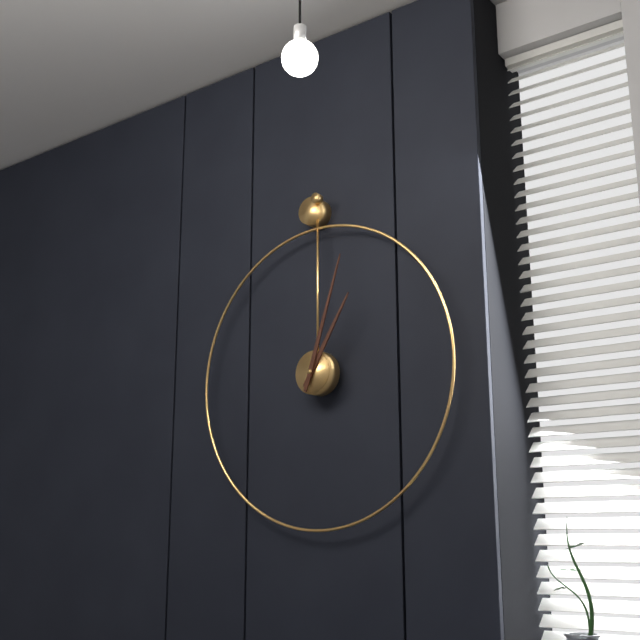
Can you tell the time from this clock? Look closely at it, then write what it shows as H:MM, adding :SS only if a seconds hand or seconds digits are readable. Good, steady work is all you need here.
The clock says 1:03
